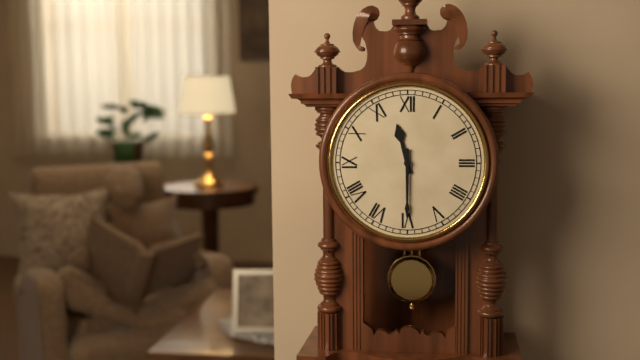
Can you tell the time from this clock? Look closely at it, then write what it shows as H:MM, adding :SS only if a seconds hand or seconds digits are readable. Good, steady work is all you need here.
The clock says 11:30
